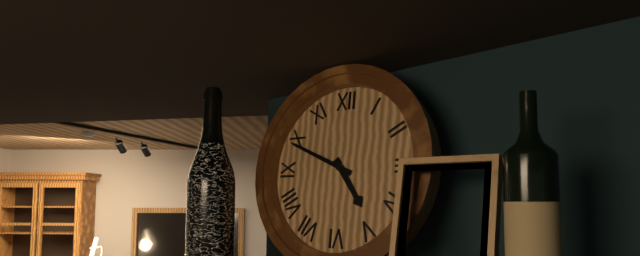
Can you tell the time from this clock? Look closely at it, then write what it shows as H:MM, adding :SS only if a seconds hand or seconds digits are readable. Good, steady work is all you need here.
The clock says 4:49
